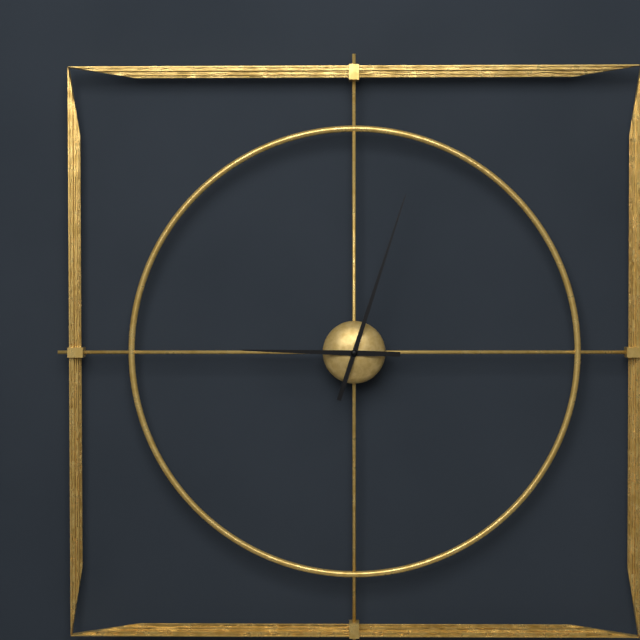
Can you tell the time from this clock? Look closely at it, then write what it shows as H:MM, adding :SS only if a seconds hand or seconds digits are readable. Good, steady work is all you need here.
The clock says 9:03
